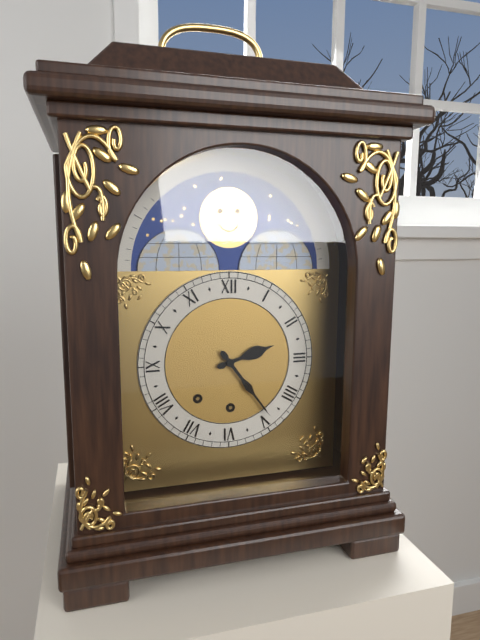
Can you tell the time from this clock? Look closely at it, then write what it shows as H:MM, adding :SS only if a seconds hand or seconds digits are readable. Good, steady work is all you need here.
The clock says 2:24
